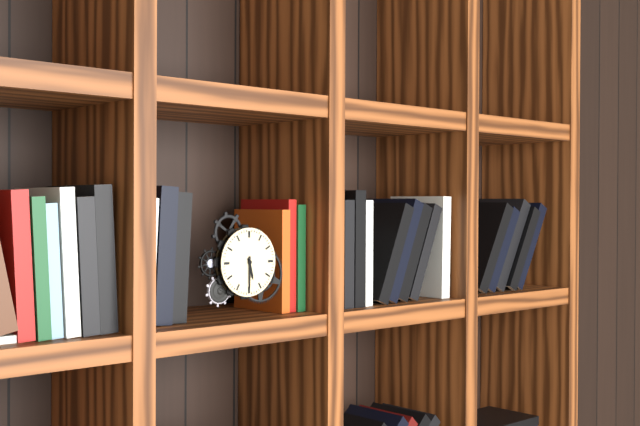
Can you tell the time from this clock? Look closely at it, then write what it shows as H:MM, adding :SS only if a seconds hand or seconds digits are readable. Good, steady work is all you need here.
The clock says 5:30
